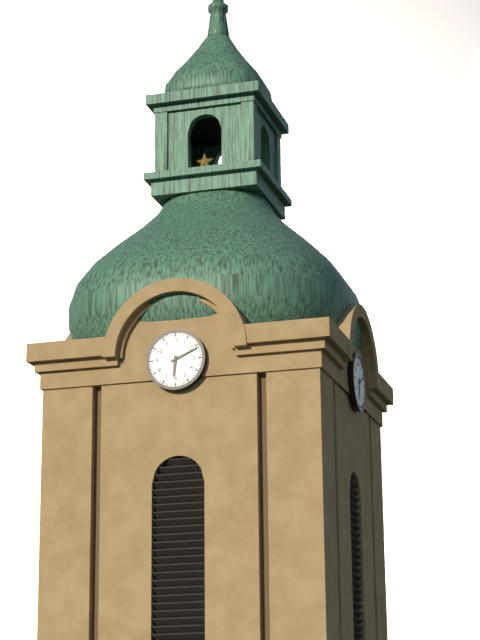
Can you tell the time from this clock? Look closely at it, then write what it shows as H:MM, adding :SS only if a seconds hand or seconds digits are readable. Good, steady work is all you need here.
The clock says 6:11
